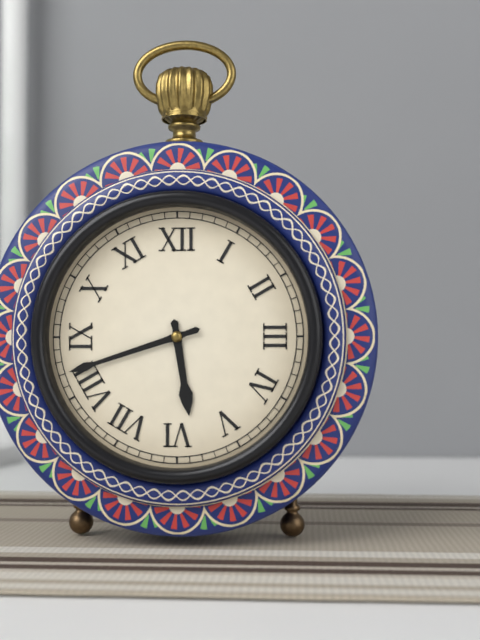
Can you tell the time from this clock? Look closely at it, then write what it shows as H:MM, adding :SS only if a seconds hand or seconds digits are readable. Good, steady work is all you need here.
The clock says 5:42
